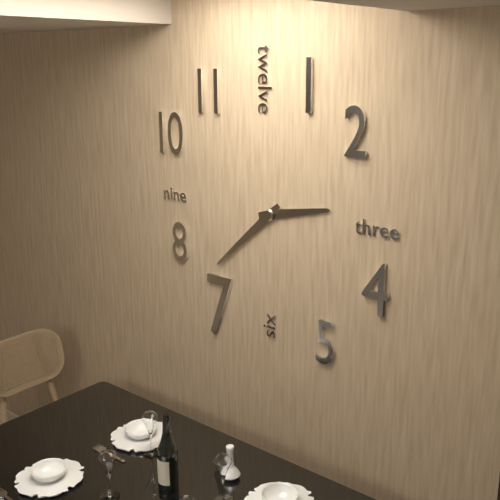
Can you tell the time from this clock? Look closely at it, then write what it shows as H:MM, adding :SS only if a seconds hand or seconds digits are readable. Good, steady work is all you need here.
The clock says 2:38
